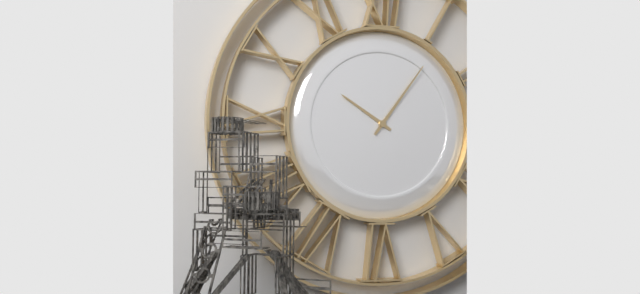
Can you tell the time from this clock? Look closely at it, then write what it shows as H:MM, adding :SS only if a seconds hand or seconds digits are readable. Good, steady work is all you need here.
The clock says 10:06
